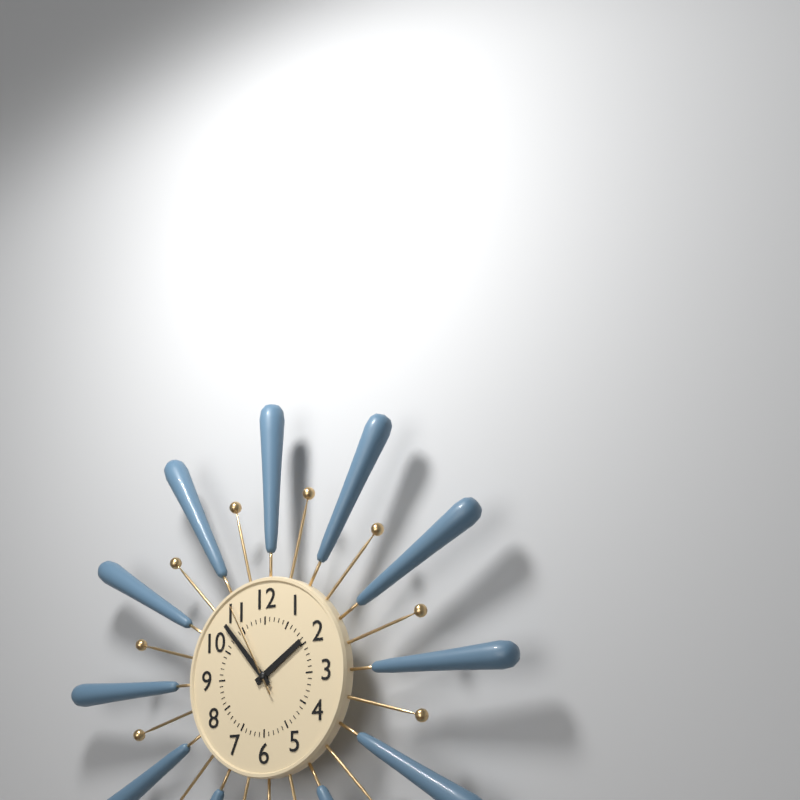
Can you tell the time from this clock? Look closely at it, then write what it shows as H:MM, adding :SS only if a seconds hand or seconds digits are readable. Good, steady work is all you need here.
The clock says 1:53:55
